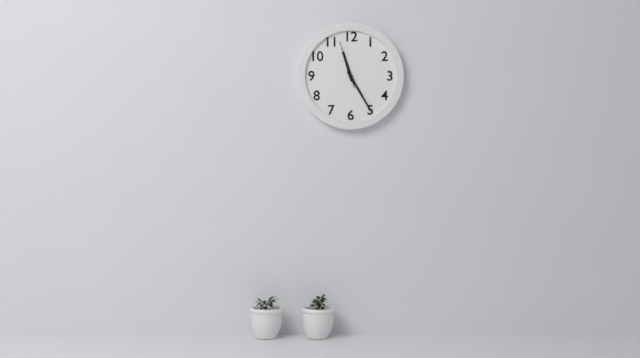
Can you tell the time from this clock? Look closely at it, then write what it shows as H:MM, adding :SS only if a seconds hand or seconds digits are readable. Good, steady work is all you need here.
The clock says 11:25
